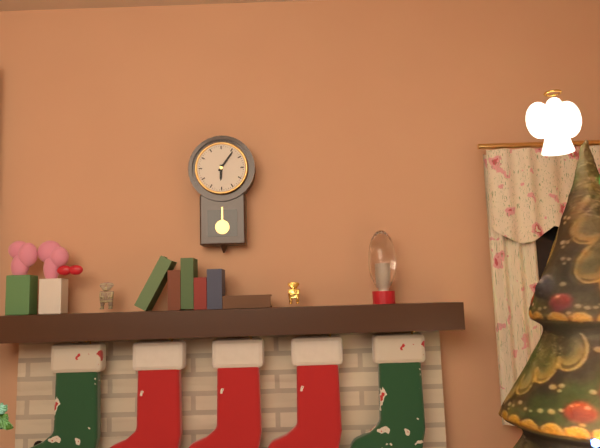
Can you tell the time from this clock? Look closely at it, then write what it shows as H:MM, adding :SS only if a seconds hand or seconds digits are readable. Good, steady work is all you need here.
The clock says 6:06
